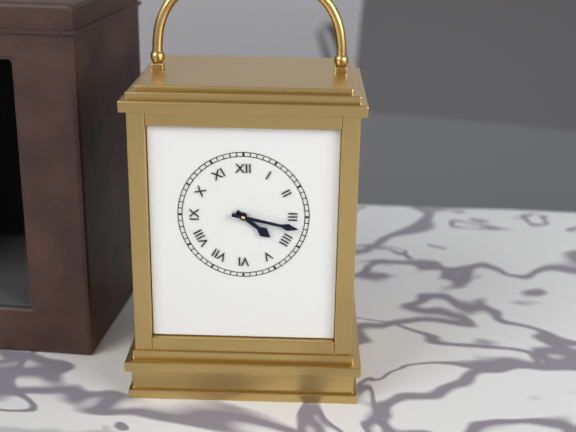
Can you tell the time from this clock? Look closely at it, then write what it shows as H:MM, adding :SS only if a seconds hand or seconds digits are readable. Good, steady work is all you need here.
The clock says 4:17
